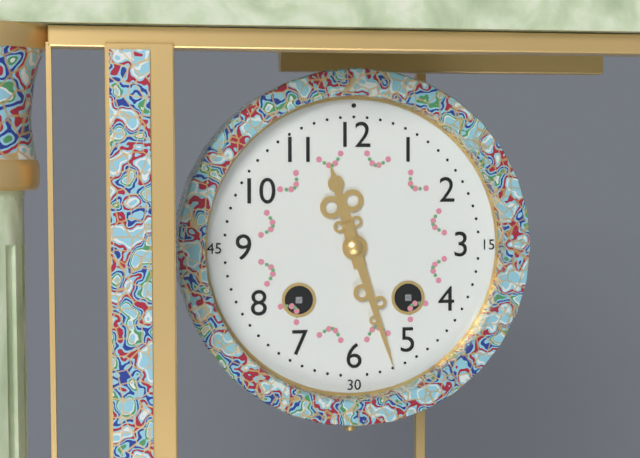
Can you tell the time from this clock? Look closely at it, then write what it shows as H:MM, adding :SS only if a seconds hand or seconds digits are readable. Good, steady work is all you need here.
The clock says 11:27
